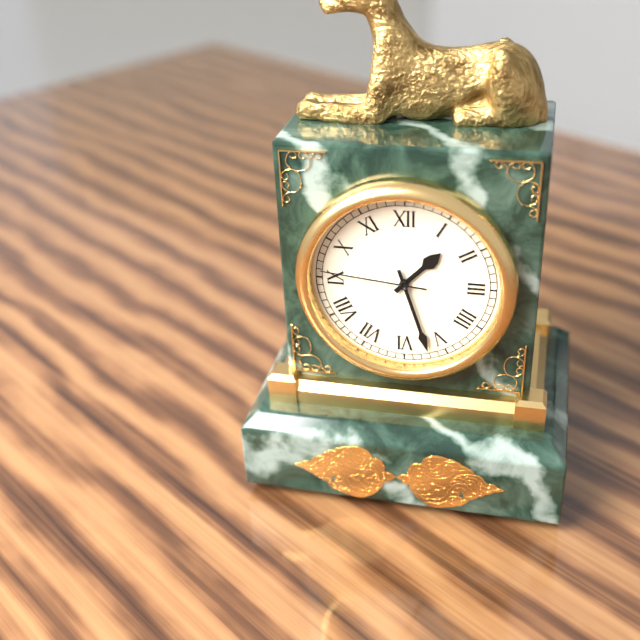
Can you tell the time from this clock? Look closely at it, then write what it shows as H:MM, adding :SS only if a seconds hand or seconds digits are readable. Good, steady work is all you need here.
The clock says 1:27:46
